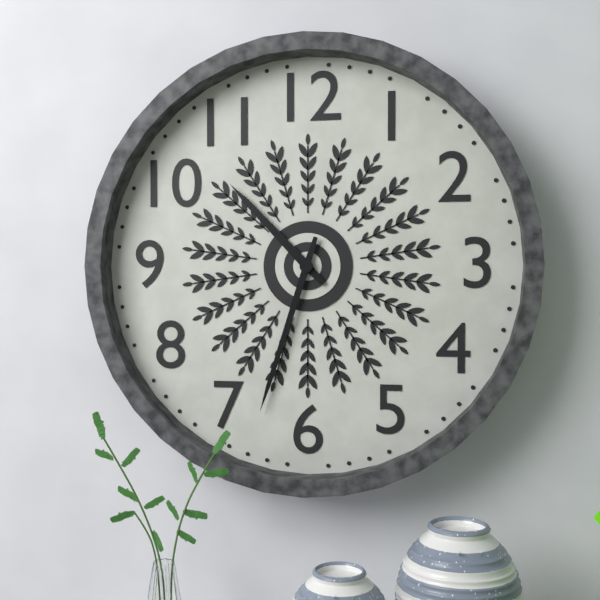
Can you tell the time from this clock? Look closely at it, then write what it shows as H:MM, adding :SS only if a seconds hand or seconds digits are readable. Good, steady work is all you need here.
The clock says 10:33
